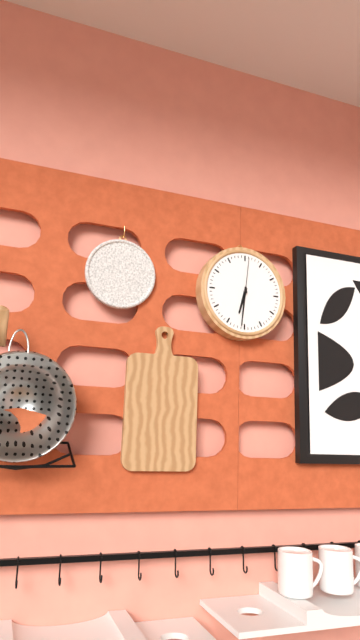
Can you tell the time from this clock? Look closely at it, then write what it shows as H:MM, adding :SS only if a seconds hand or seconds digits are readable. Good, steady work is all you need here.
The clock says 6:31
